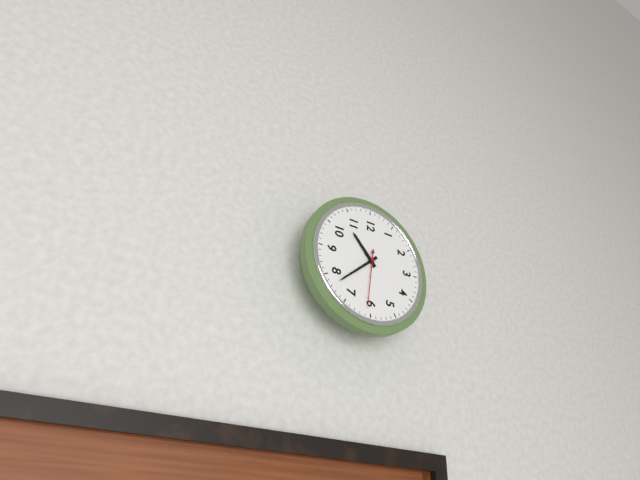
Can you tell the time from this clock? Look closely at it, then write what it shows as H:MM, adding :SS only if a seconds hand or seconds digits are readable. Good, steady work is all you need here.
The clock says 10:38:31
